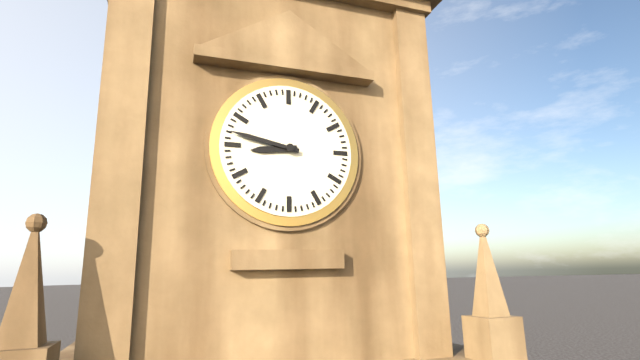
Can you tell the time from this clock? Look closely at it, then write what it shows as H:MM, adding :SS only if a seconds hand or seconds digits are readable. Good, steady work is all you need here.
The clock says 8:47
